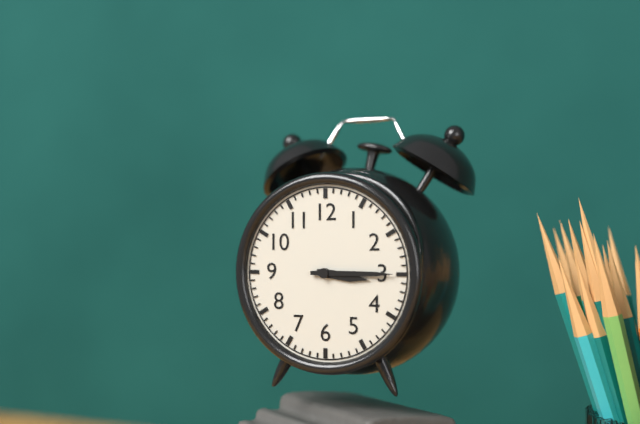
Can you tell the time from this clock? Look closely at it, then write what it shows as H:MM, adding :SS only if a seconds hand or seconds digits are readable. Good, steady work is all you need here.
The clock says 3:15
